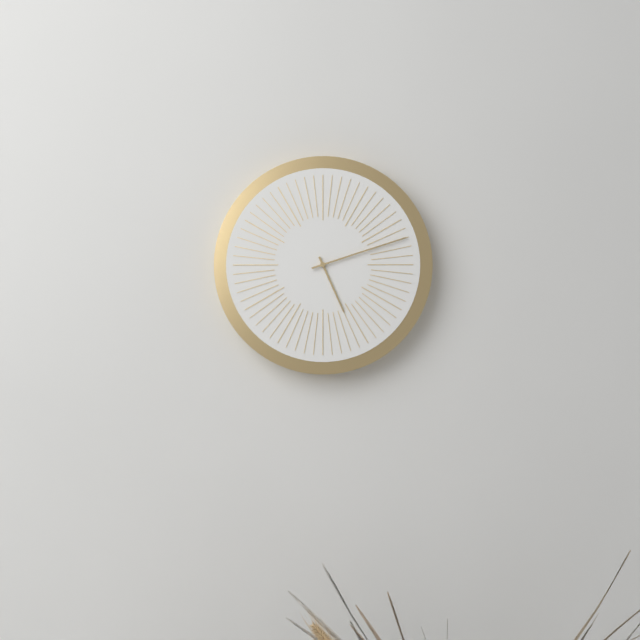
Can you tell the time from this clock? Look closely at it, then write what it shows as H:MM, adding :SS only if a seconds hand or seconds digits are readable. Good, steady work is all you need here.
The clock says 5:12
